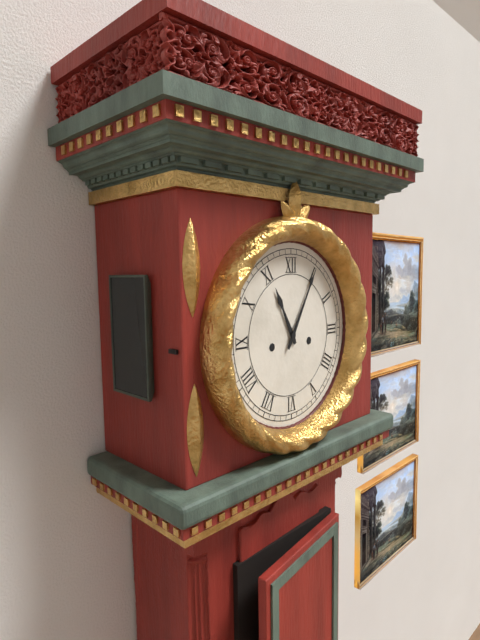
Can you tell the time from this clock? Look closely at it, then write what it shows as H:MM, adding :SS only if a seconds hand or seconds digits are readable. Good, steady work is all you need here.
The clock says 11:05
